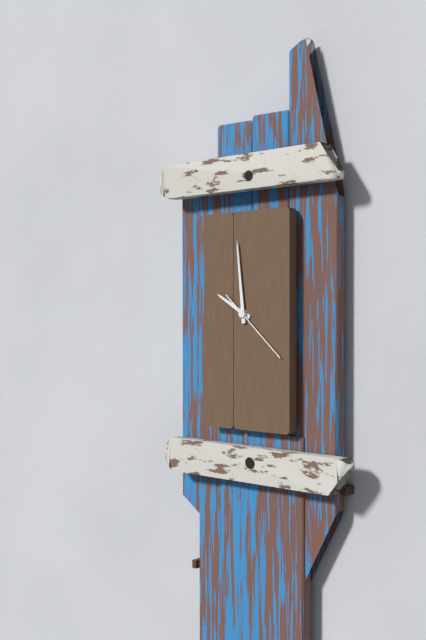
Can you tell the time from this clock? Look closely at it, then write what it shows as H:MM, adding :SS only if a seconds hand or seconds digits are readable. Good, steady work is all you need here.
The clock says 9:59:22
